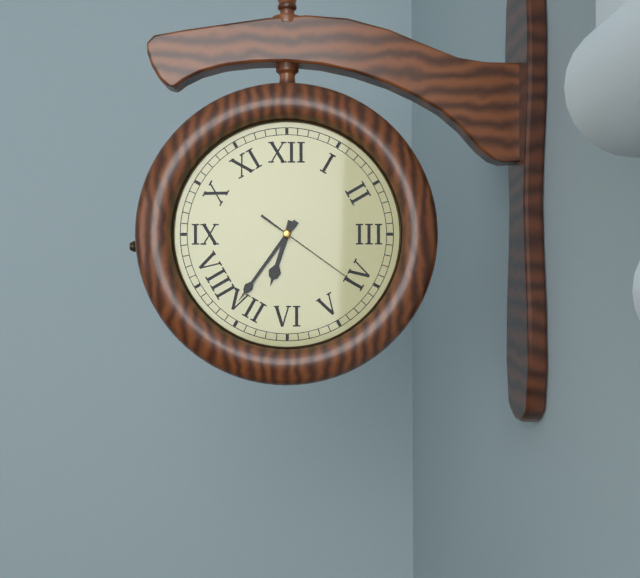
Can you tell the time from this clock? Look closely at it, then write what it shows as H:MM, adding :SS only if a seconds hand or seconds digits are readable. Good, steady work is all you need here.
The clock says 6:36:21
